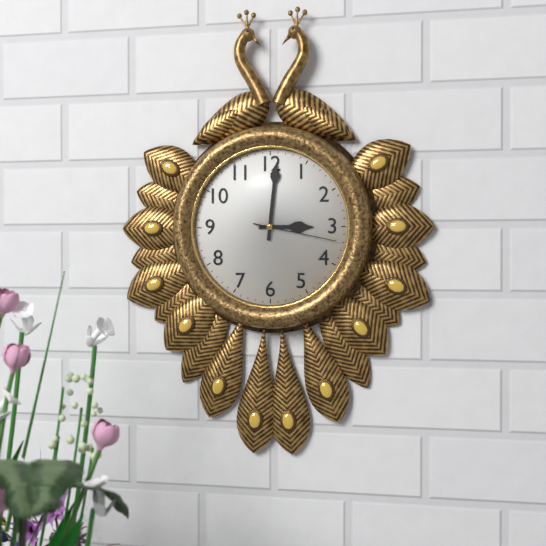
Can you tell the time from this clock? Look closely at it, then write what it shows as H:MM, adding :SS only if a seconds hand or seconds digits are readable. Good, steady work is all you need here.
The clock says 3:01:17
